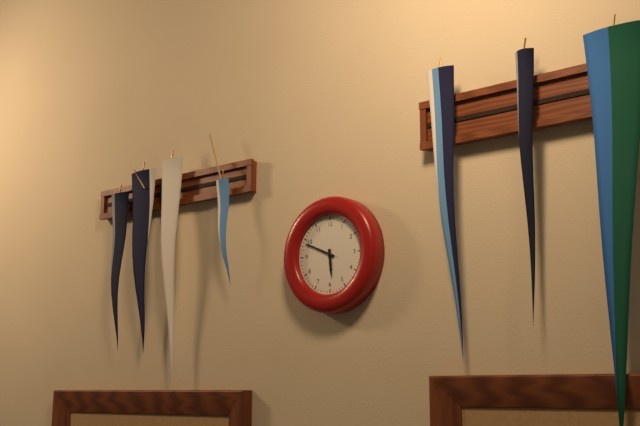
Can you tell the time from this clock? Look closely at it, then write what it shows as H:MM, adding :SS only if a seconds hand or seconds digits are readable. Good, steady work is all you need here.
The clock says 5:49
